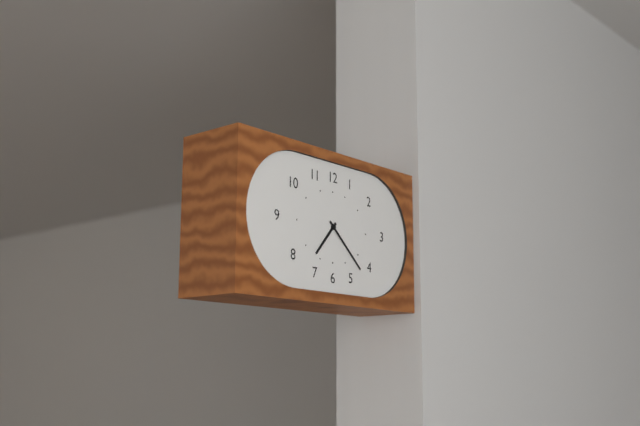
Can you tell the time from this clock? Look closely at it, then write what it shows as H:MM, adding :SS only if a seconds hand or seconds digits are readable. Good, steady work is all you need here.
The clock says 7:22
